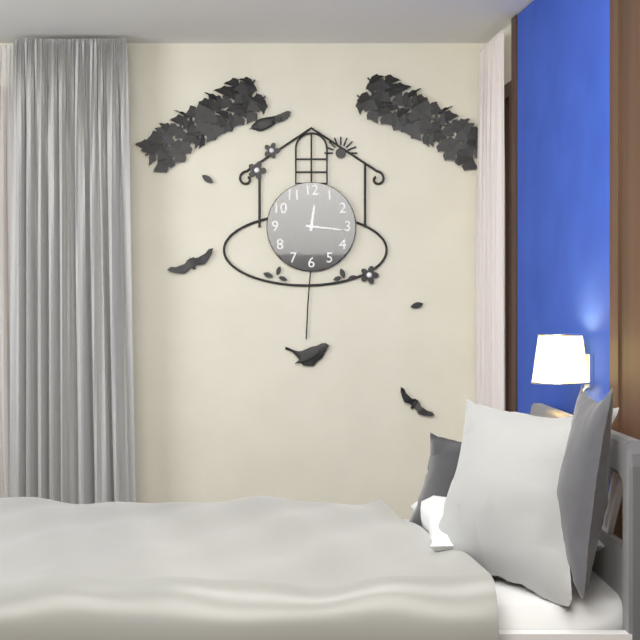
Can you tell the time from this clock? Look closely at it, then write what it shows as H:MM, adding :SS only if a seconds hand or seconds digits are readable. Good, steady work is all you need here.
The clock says 12:16
